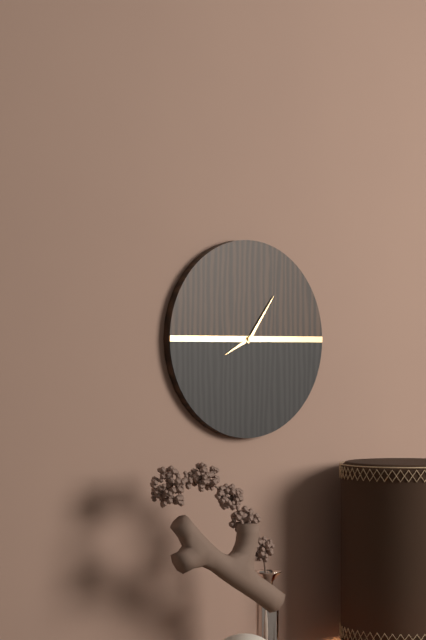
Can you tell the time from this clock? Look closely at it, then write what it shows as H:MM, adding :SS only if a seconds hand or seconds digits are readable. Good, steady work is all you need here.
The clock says 8:06
